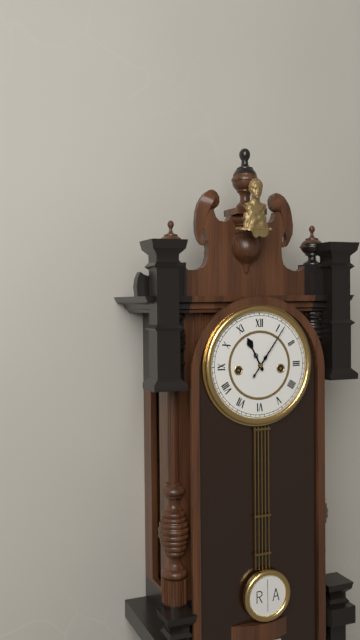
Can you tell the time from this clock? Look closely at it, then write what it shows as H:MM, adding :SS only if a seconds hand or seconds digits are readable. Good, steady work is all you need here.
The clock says 11:06
